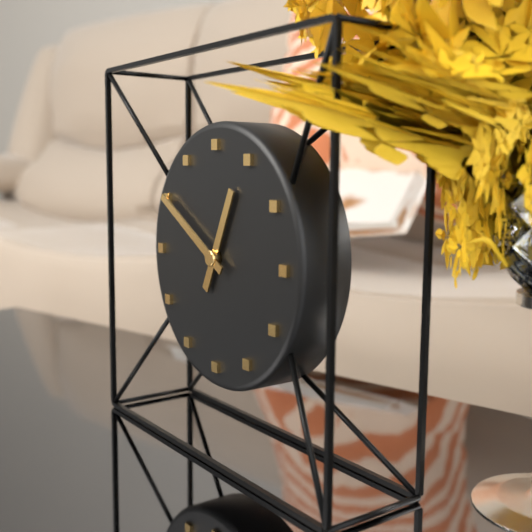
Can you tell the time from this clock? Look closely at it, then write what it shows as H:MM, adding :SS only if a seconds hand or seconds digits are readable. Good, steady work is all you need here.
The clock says 12:50
